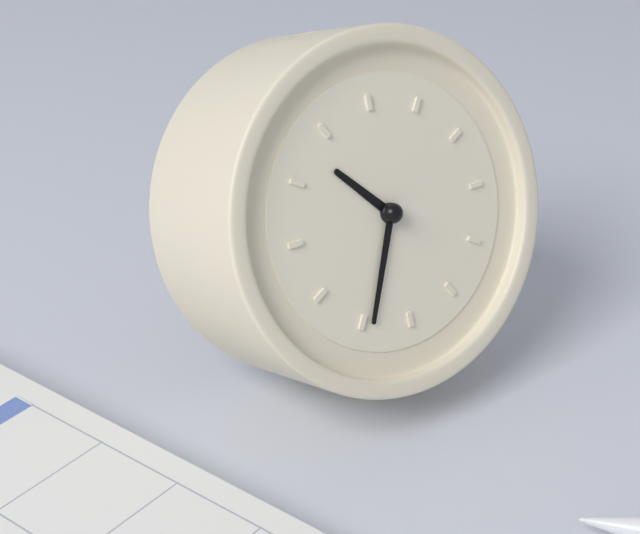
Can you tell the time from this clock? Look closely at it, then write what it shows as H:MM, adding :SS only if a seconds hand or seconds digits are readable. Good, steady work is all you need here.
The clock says 10:34
